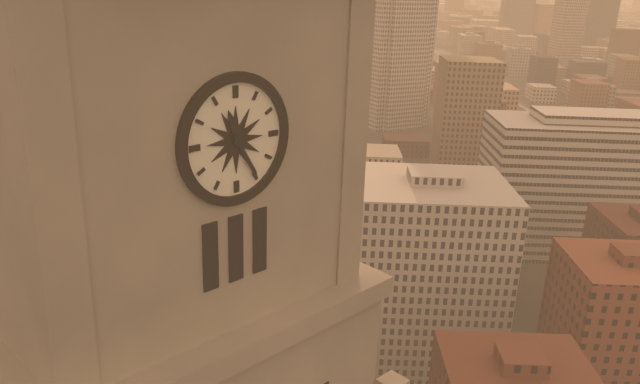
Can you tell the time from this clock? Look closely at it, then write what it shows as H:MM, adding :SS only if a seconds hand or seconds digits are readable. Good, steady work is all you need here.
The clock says 11:25
